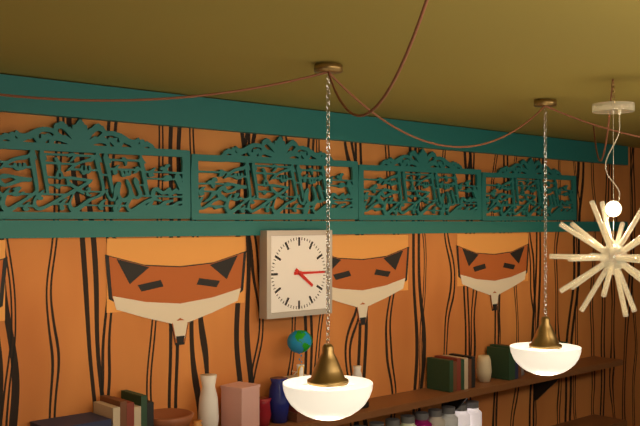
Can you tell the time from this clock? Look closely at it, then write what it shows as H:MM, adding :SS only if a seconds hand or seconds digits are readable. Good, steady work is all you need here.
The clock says 4:15
